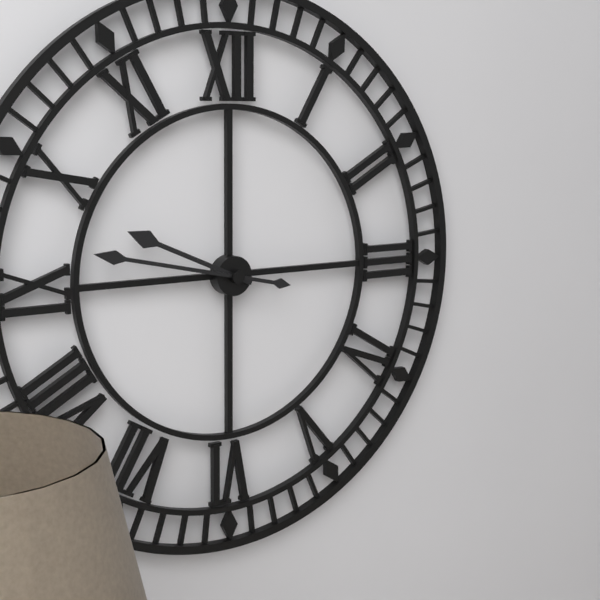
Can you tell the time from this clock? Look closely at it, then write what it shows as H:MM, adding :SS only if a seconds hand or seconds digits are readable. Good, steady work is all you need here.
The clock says 9:47
